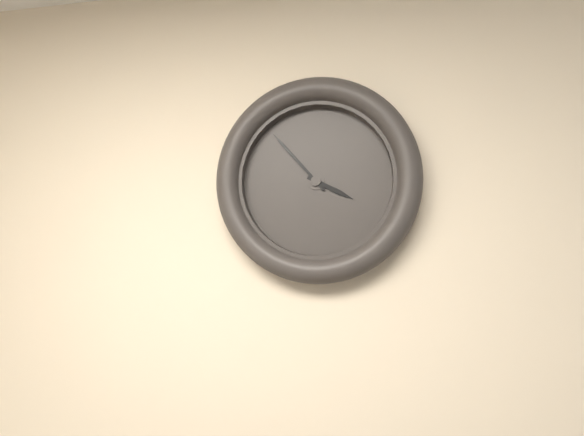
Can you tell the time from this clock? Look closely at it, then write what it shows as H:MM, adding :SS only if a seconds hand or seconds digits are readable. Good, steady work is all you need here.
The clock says 3:53
